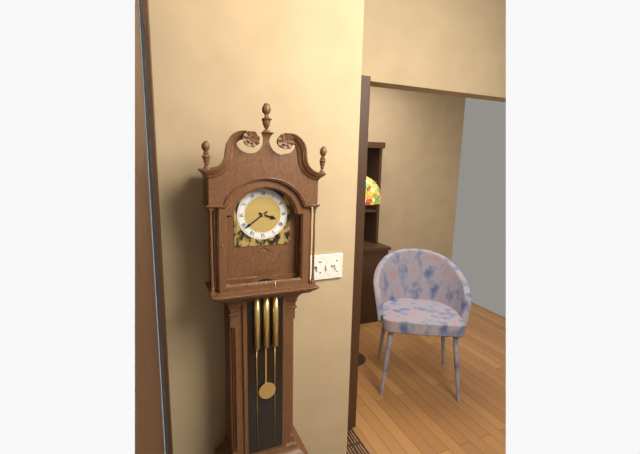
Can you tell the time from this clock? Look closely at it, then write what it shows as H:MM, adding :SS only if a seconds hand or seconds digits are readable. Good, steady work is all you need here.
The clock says 3:39
